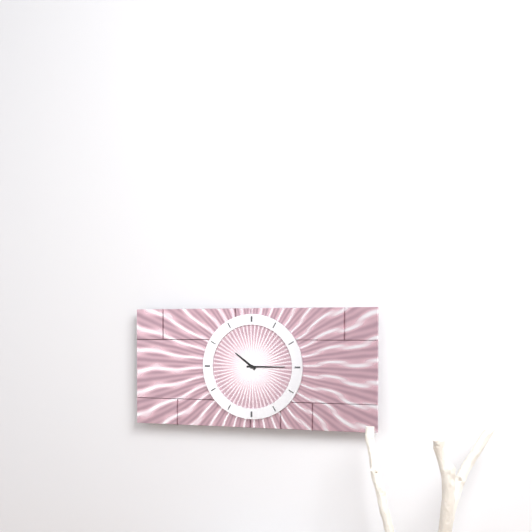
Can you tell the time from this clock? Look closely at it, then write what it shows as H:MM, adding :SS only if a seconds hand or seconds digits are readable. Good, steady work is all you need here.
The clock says 10:15
